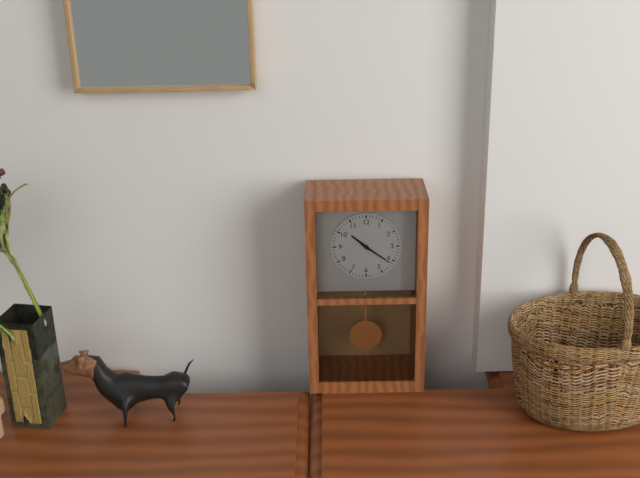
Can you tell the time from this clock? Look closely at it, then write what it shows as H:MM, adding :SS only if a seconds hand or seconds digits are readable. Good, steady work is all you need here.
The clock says 10:21
